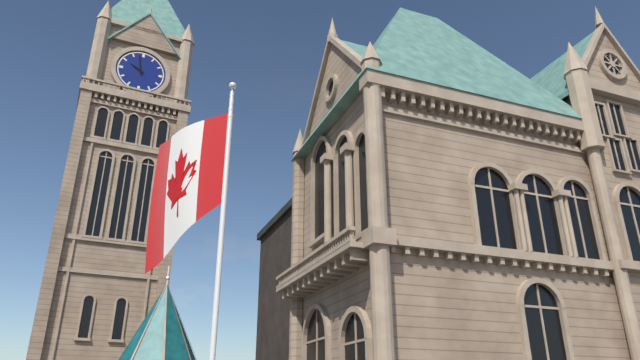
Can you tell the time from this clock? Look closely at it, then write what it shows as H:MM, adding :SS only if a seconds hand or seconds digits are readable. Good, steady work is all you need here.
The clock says 9:58
